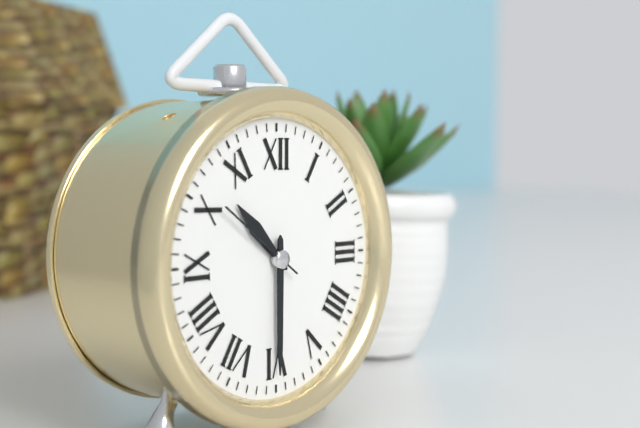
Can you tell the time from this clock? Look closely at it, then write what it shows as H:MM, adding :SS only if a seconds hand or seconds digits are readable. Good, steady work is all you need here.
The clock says 10:30:51
